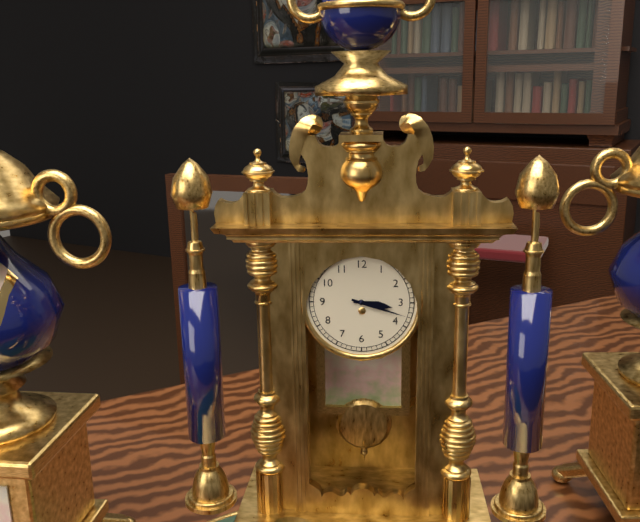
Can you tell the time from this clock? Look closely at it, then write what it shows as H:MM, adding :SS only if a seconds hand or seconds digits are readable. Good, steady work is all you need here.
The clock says 3:18
